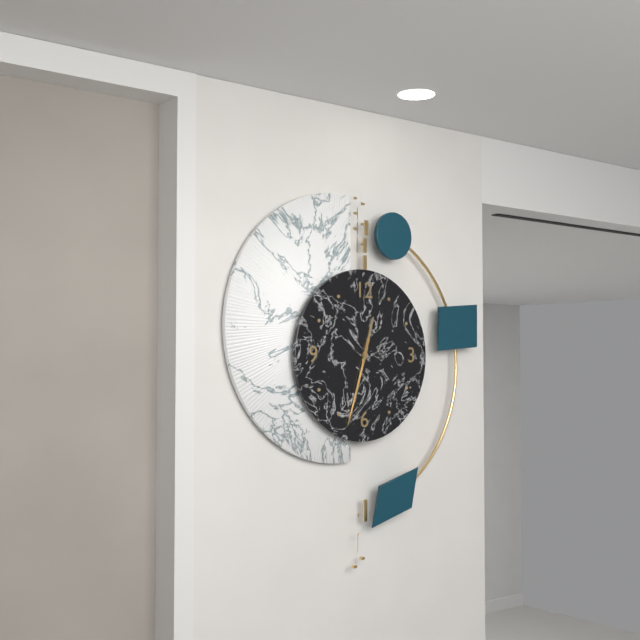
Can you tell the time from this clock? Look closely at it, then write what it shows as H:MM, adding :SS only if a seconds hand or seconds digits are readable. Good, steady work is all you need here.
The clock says 12:33:33
